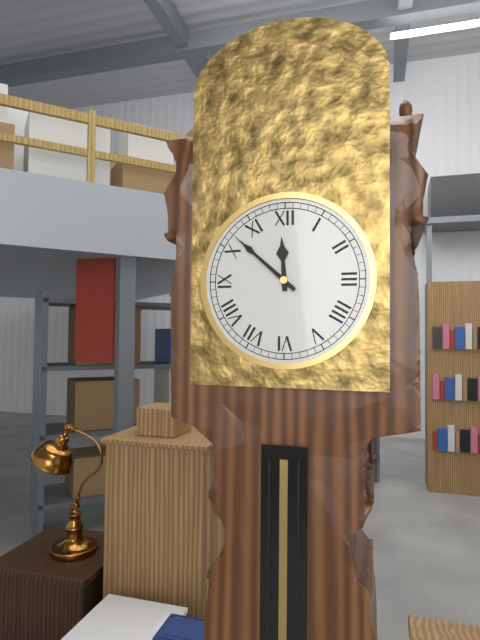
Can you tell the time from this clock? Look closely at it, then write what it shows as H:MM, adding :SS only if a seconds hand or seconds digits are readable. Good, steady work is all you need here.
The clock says 11:52
